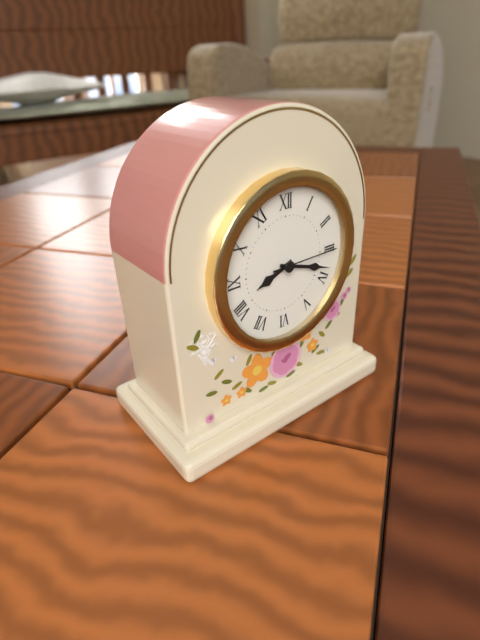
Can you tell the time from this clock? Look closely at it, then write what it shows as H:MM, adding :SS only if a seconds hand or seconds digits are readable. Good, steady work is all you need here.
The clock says 8:18:15
